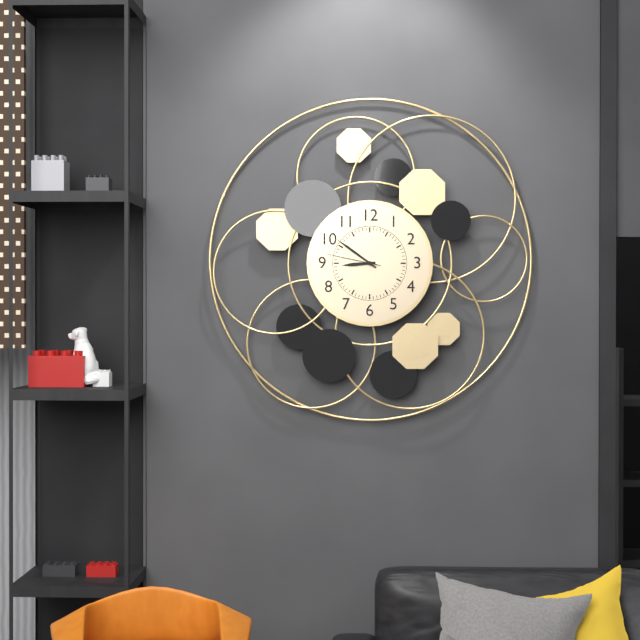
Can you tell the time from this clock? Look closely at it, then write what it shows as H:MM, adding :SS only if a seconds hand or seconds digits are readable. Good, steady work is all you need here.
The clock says 8:51:47
